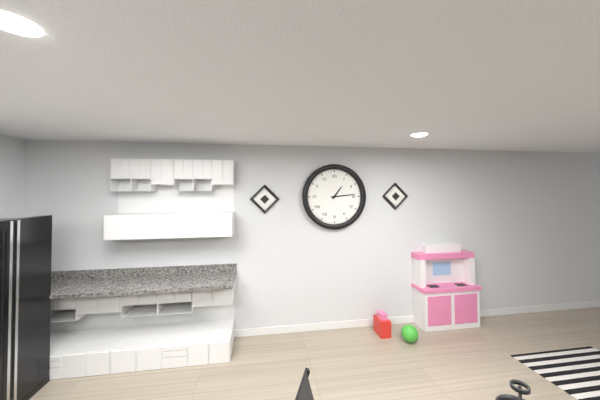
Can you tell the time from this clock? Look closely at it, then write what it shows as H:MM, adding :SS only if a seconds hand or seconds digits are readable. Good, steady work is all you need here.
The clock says 1:14
